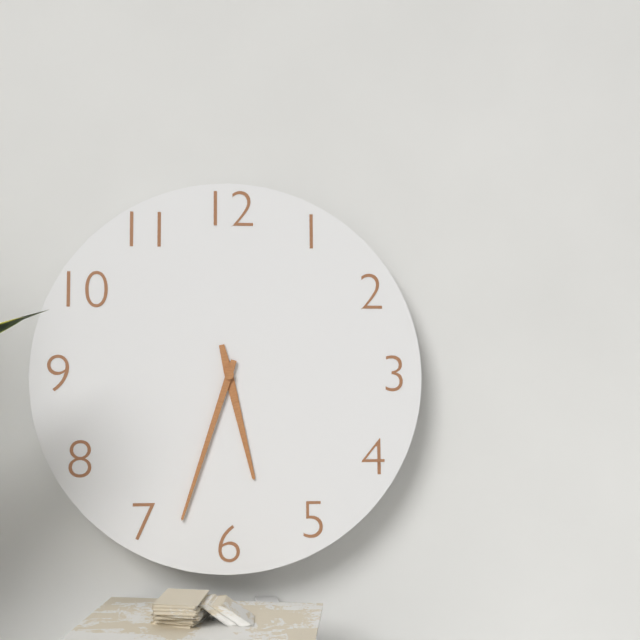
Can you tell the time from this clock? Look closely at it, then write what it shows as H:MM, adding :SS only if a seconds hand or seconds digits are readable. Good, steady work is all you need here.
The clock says 5:33
